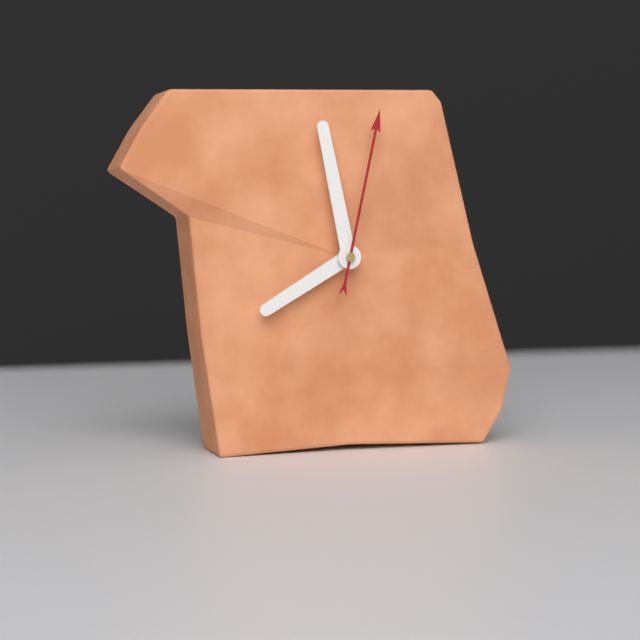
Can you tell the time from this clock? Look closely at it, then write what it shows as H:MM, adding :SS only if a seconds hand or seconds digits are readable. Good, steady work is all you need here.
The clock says 7:58:02
